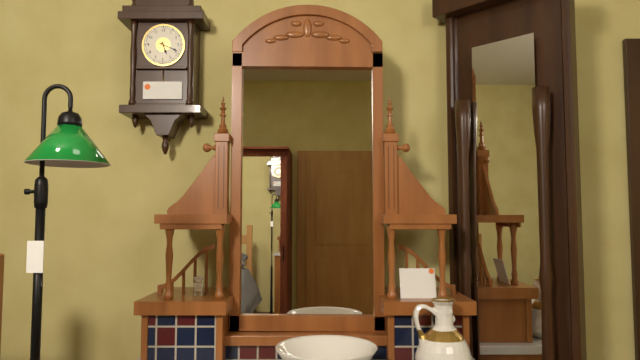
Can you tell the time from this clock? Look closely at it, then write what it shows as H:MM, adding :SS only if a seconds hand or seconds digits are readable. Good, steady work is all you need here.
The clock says 5:19
